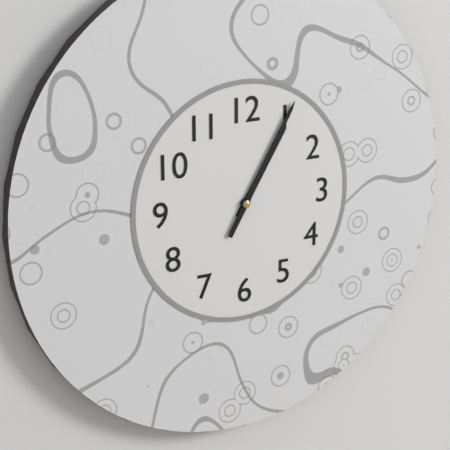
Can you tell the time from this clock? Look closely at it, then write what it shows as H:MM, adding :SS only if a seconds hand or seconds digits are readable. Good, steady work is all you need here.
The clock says 1:05
